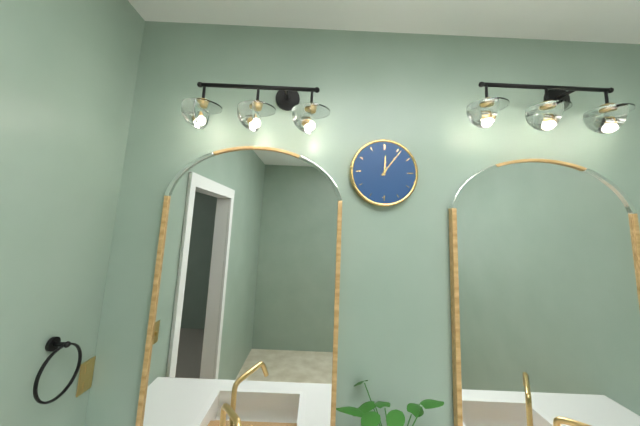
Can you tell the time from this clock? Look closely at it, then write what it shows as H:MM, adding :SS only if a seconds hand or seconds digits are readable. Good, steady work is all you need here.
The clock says 12:06
